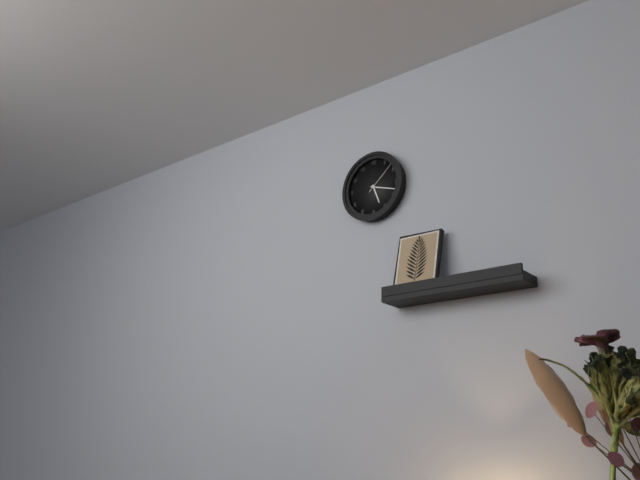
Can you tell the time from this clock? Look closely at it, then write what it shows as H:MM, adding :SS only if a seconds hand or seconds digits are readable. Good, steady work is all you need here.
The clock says 5:18
